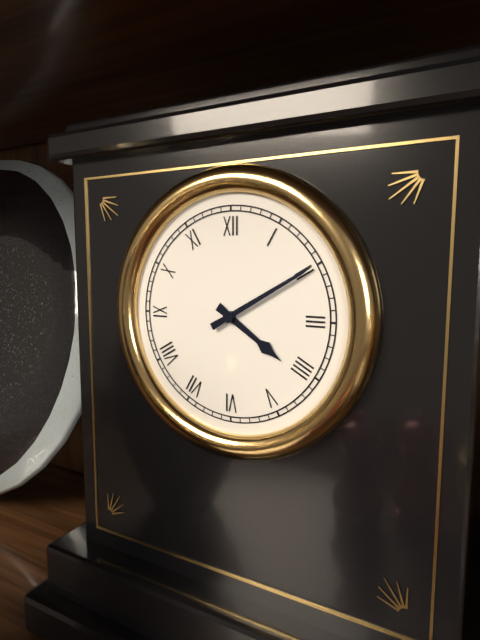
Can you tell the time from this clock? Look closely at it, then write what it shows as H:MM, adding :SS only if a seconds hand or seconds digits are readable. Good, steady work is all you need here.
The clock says 4:10
